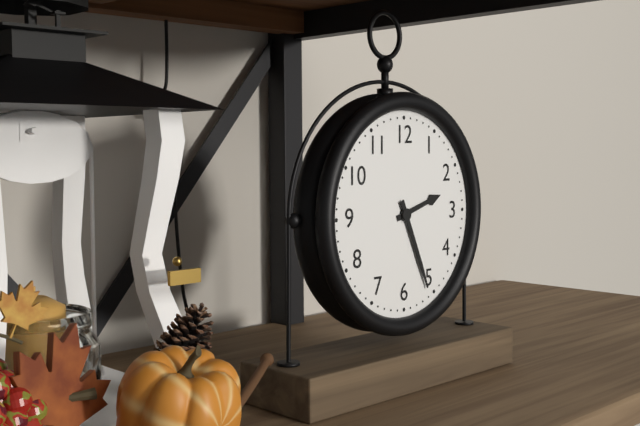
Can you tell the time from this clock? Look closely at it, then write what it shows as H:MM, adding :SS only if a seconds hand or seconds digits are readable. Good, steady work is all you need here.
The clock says 2:26
